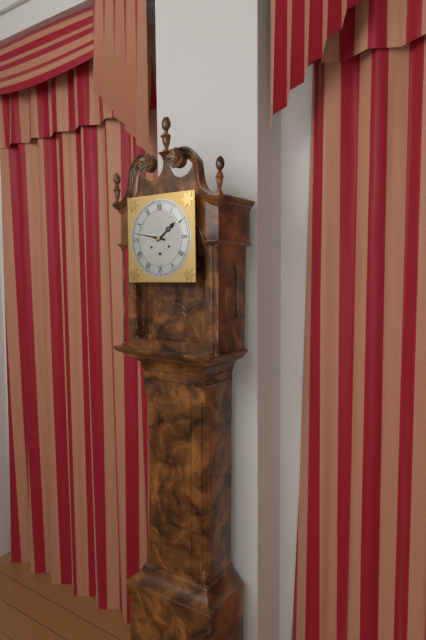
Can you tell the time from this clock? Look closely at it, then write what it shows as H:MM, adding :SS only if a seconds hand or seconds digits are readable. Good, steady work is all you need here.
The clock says 1:47
